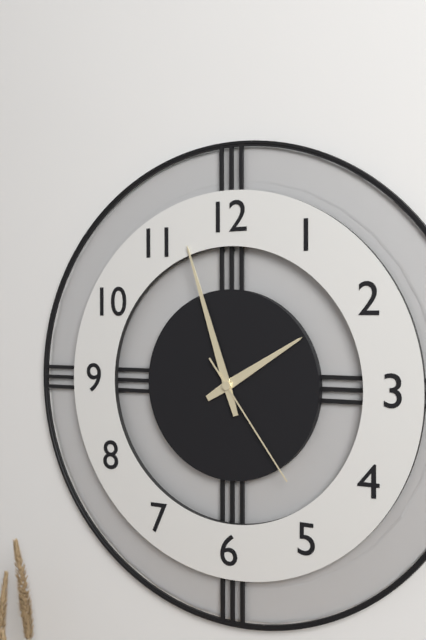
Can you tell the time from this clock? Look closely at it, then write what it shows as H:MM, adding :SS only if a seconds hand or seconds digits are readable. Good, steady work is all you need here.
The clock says 1:57:24
